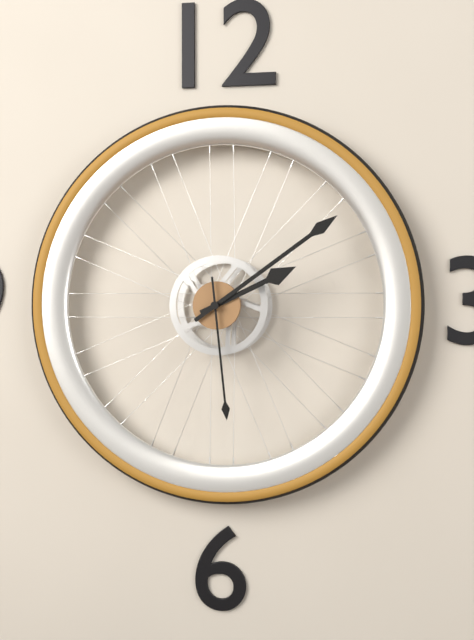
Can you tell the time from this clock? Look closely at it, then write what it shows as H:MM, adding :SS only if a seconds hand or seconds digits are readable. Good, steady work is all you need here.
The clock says 2:09:29
